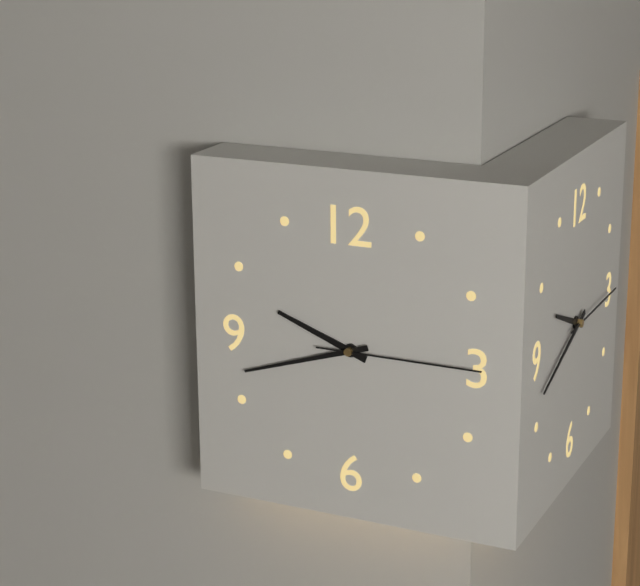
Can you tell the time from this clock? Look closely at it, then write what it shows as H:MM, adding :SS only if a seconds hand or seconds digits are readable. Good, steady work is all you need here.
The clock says 9:42:15
